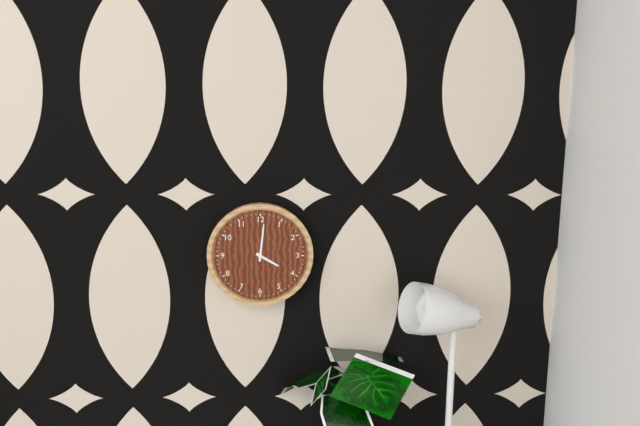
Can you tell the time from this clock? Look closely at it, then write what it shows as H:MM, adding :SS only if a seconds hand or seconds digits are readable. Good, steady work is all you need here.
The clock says 4:01
